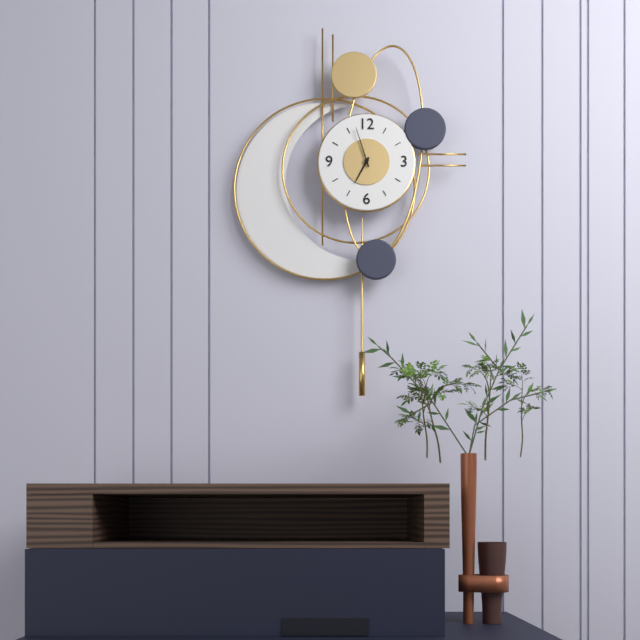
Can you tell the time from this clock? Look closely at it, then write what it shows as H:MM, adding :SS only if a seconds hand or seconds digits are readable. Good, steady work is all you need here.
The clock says 6:57
